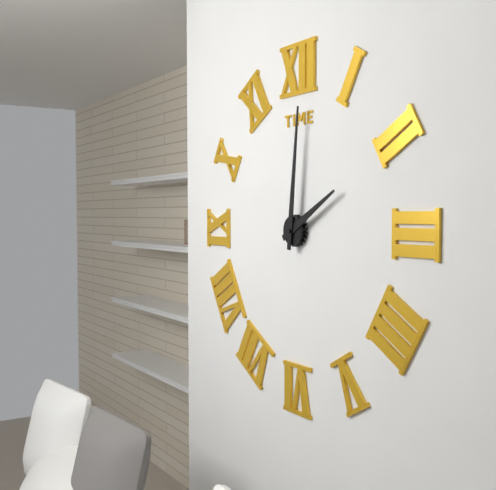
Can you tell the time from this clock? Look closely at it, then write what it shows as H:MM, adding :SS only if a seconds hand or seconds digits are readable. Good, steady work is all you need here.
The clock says 2:01
